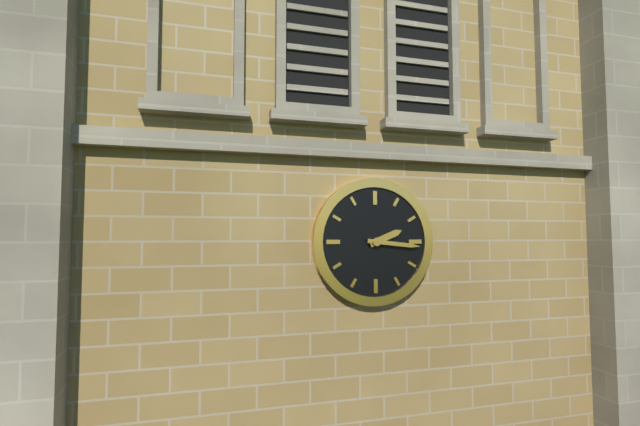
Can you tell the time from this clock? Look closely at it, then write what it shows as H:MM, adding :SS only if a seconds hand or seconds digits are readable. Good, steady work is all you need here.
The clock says 2:16
